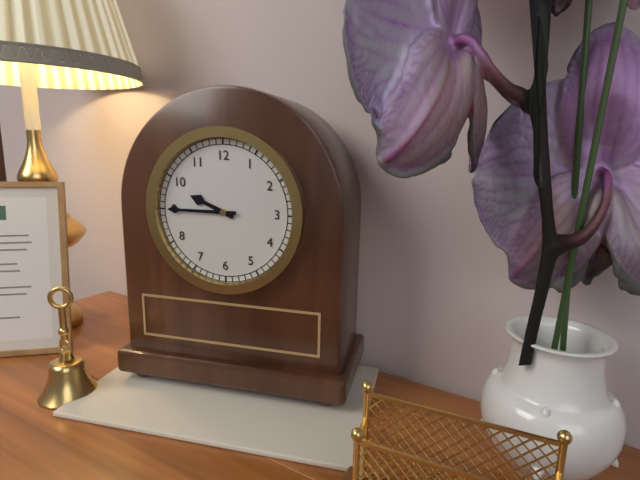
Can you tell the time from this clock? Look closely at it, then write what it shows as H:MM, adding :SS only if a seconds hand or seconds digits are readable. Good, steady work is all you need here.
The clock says 9:45
